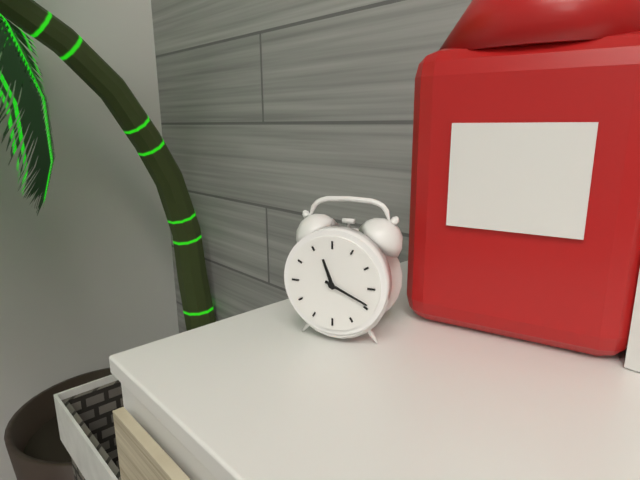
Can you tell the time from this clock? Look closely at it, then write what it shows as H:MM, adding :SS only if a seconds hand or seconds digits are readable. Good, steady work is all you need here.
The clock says 11:19
